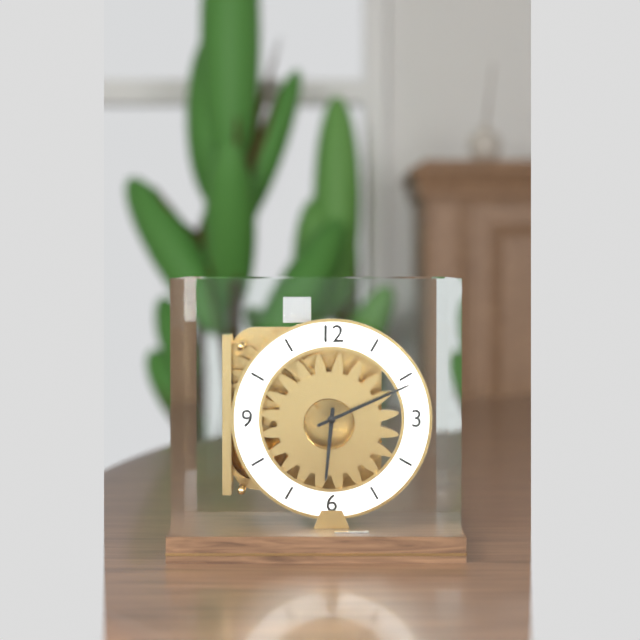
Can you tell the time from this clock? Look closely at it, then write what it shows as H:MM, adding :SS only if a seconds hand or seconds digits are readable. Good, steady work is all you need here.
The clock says 6:11
